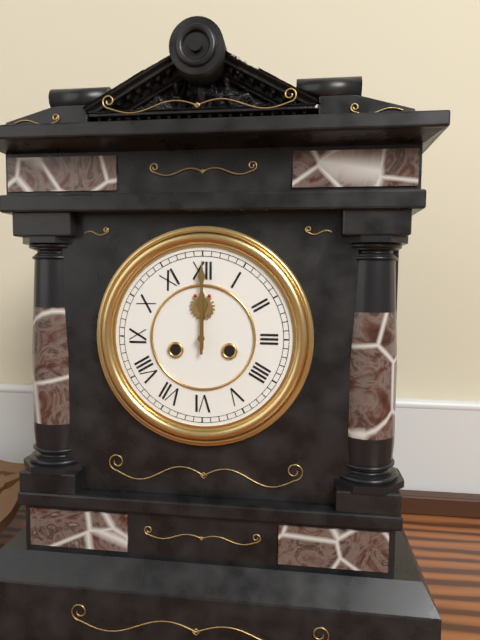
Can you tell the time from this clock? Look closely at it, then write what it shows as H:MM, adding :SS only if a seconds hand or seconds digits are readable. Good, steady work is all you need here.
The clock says 12:00
